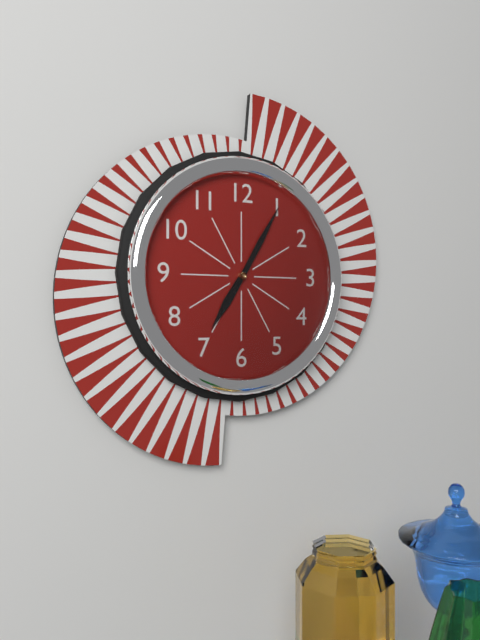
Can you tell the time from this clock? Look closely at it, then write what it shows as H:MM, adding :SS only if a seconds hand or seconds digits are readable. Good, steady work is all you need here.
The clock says 7:05
